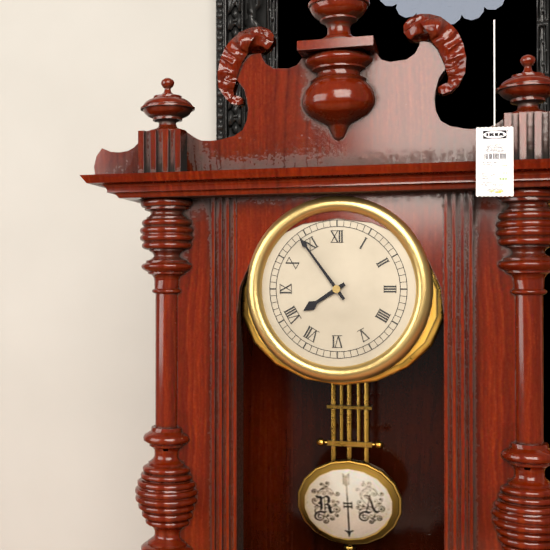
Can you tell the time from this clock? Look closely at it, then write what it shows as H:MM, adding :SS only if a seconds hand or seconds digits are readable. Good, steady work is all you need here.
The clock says 7:54
